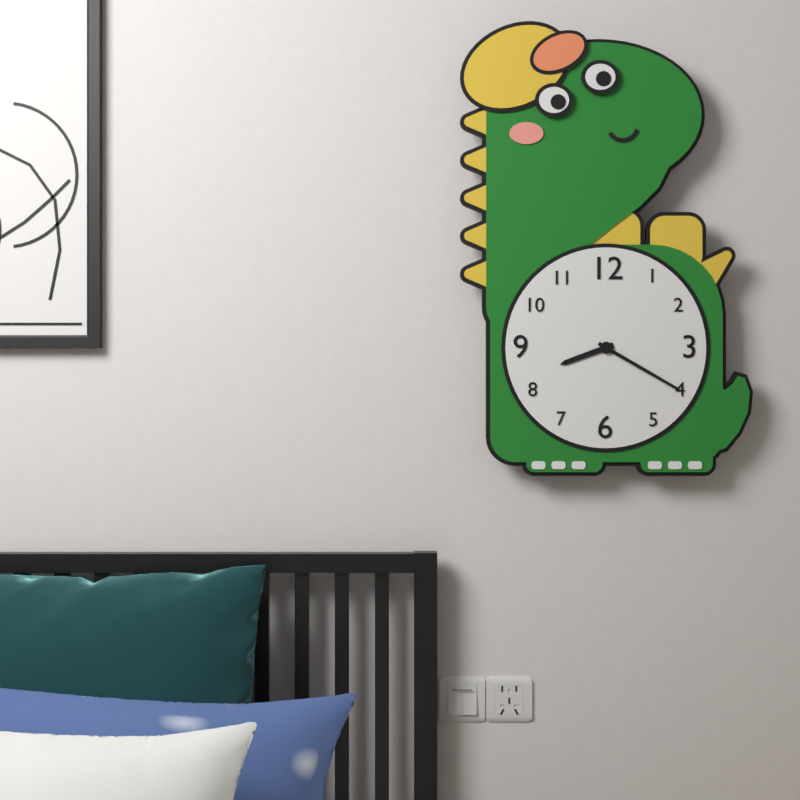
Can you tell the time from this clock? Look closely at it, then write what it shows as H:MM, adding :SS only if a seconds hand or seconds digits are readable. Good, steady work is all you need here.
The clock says 8:20
